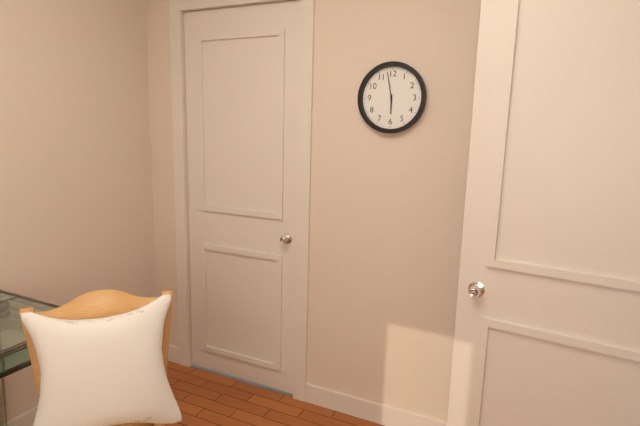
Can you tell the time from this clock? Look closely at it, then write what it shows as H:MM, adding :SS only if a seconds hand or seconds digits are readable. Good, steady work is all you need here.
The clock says 5:58
